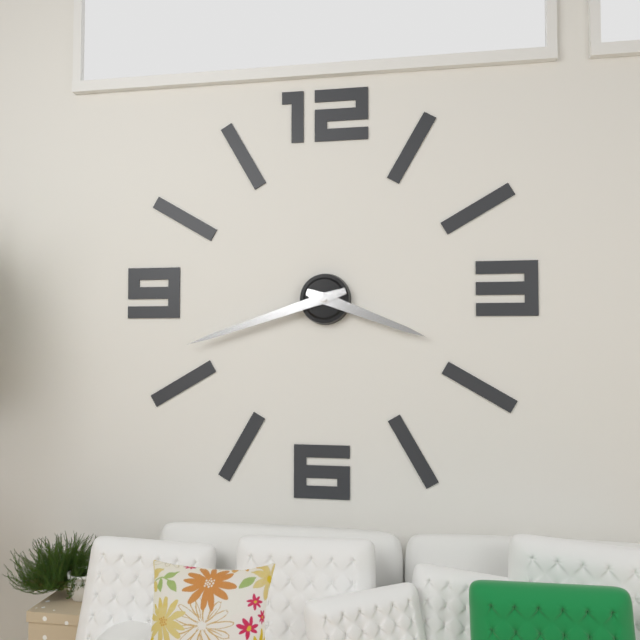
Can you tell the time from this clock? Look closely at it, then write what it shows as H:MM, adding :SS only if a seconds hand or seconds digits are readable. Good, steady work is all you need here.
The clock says 3:42
